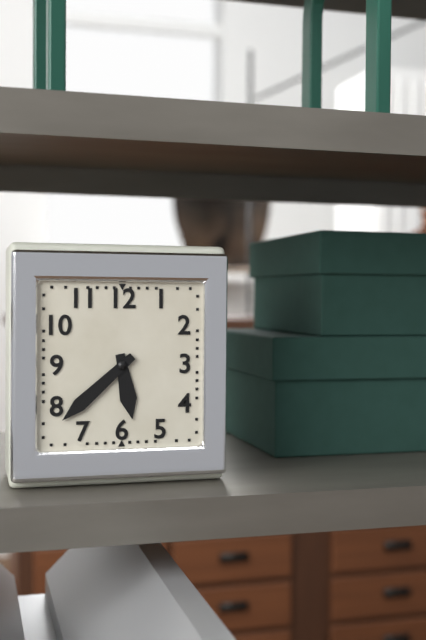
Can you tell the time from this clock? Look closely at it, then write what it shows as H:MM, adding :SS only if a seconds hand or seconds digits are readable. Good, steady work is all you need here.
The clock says 5:38
